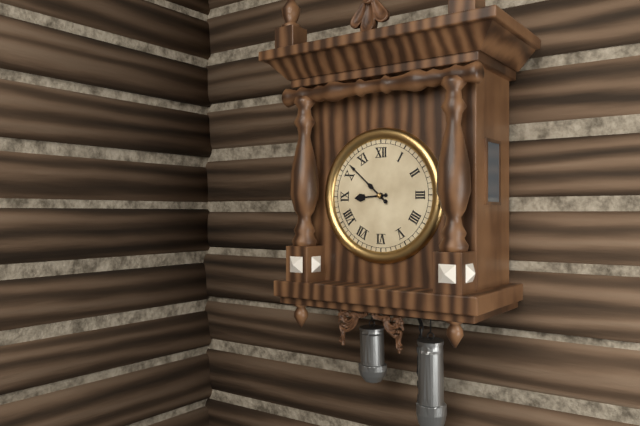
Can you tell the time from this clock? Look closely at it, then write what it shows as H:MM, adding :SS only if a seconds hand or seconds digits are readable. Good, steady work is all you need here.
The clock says 8:52
